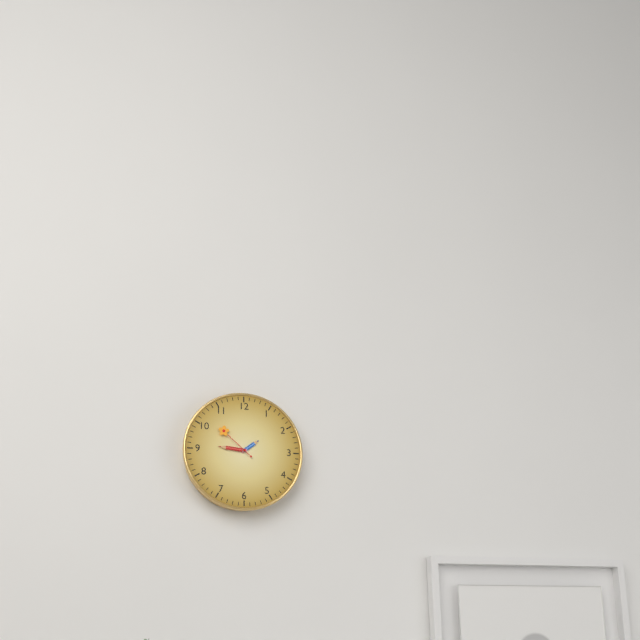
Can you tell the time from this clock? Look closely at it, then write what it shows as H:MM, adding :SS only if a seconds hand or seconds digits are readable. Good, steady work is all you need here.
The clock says 1:46
